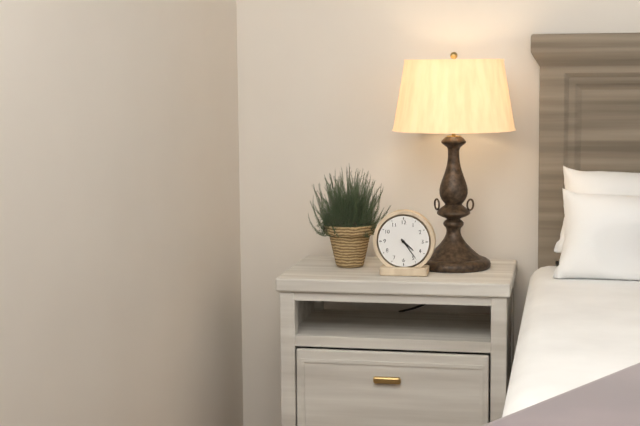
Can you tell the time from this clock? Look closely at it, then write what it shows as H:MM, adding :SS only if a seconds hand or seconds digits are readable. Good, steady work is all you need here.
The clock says 4:24
